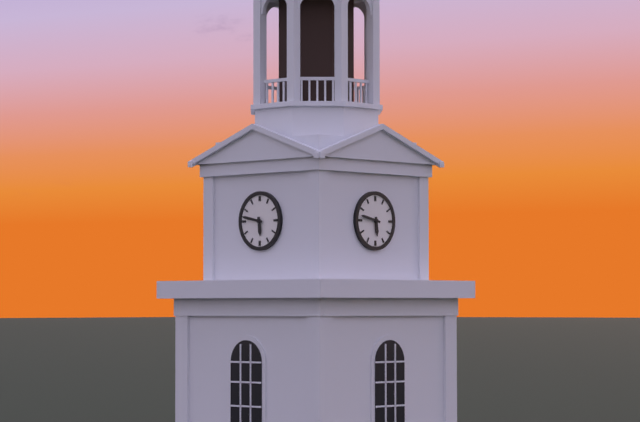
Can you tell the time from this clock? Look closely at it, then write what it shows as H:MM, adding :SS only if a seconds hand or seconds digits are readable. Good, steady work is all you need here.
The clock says 5:47
